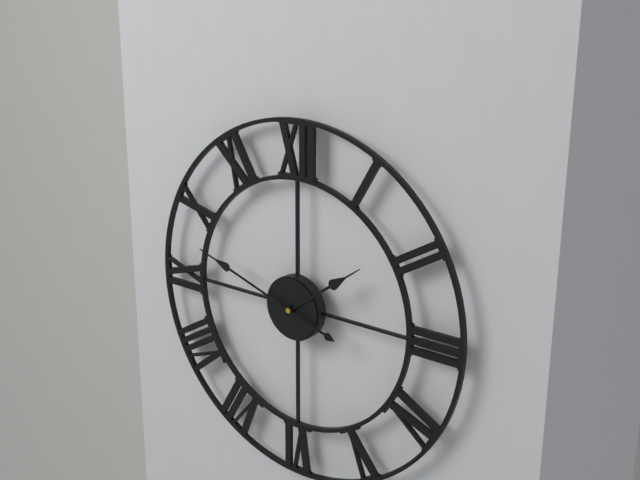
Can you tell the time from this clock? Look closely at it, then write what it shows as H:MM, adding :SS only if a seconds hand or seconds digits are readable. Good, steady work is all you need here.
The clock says 1:48
